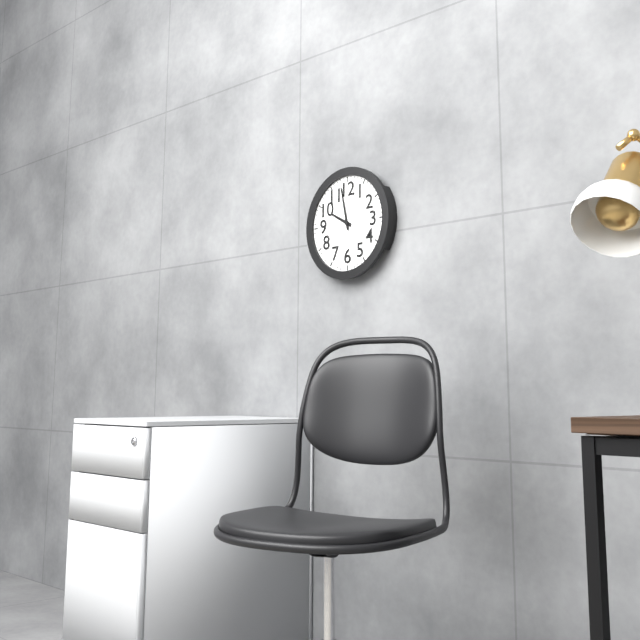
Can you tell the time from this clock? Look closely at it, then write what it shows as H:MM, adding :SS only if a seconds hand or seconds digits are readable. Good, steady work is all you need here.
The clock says 9:58
